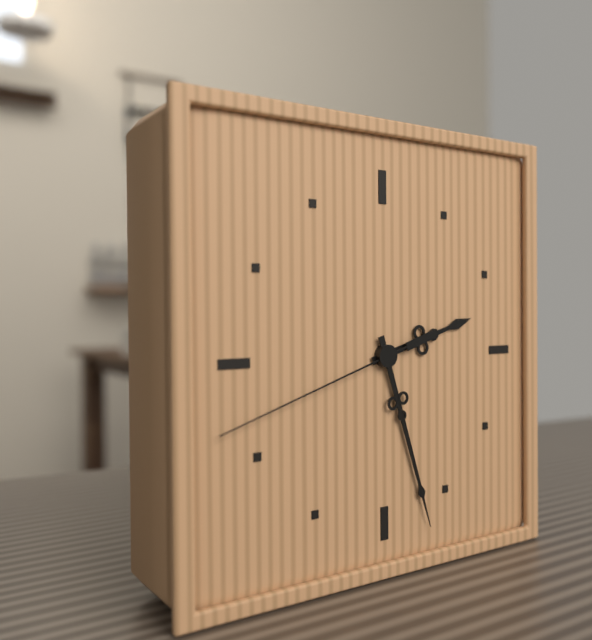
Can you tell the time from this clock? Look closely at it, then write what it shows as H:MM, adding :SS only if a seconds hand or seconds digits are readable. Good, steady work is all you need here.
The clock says 2:27:42
